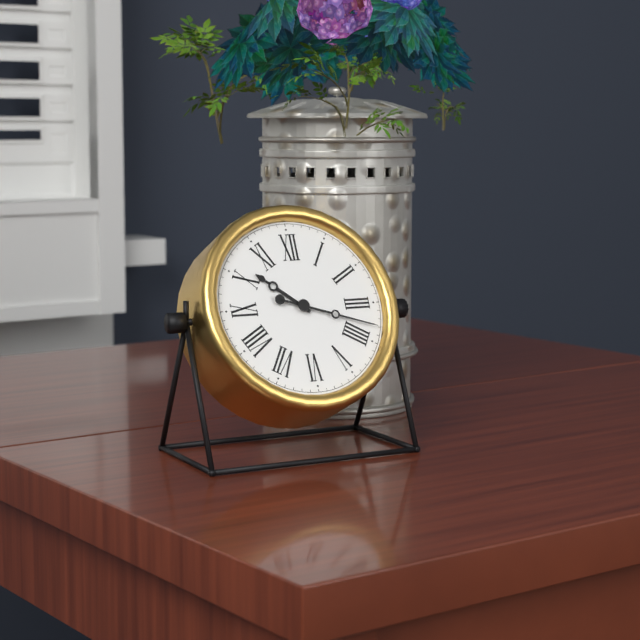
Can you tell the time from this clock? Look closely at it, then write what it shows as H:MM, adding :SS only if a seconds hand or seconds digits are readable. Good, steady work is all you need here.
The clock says 10:18
